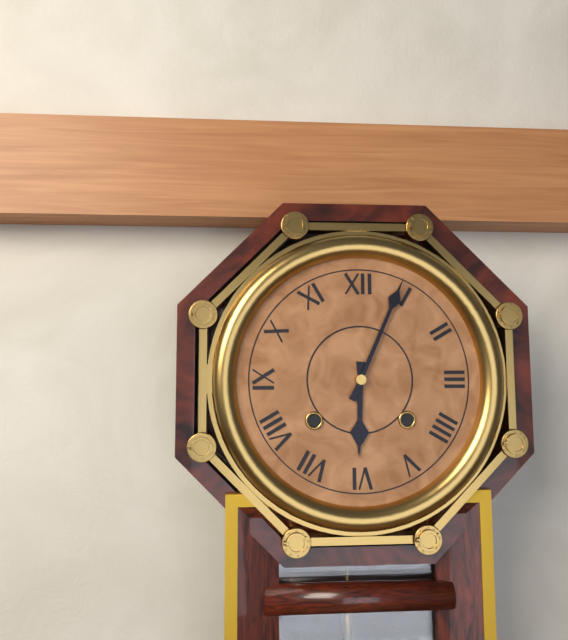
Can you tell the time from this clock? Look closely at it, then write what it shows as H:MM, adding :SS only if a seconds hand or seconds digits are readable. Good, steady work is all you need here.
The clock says 6:04
